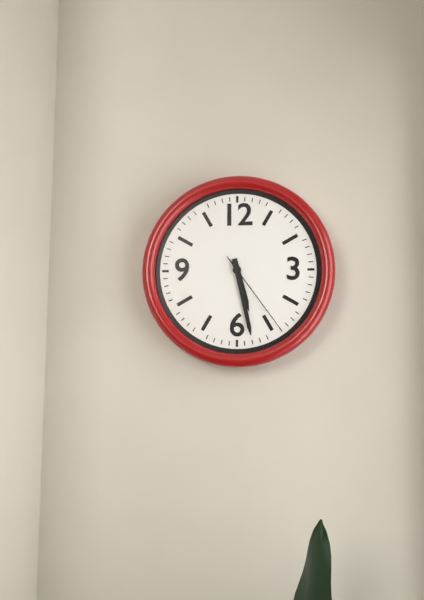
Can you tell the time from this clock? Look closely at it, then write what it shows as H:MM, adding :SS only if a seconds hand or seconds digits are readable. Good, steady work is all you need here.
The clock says 5:28:24
